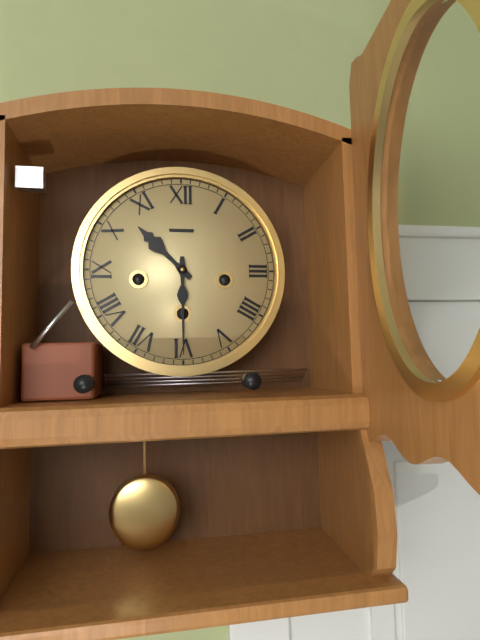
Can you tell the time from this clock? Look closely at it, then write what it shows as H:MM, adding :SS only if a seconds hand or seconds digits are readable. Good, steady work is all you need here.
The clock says 10:30
